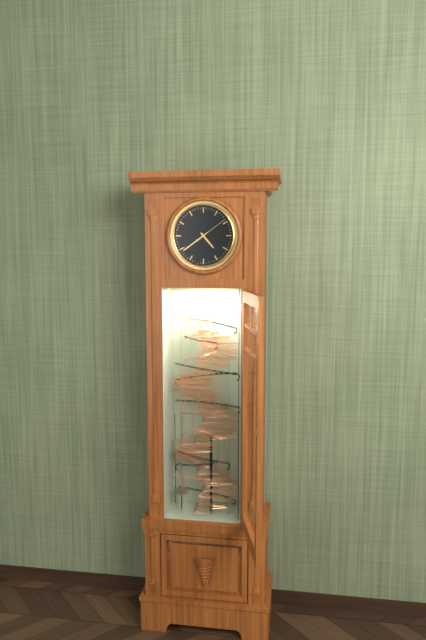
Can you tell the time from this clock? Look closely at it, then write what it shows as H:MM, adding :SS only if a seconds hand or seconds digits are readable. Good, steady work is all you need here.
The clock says 4:39
